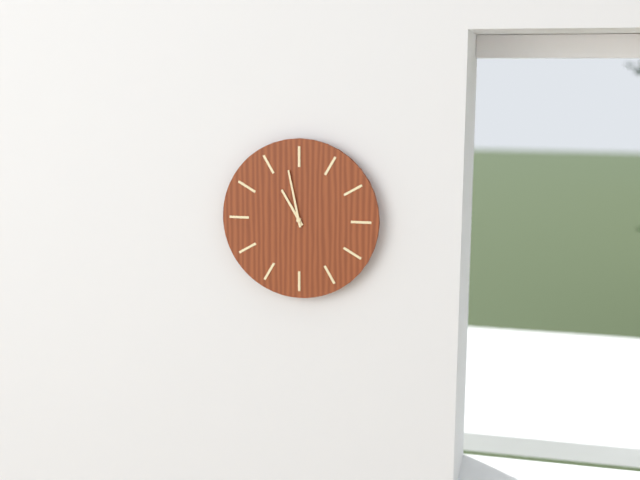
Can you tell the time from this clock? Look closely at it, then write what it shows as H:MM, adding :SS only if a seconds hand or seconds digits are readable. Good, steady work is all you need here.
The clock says 10:58
